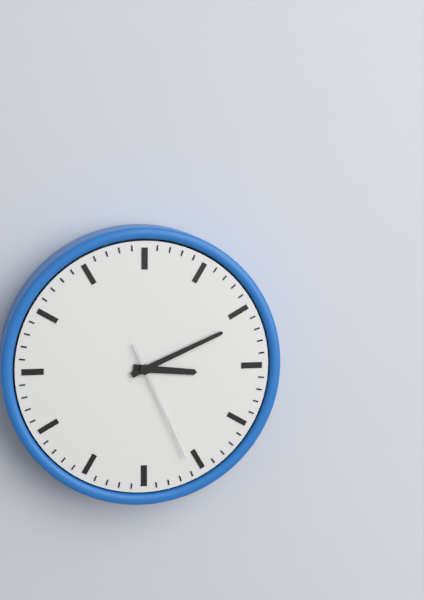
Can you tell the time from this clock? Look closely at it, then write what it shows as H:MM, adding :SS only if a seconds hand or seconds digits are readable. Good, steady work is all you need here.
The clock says 3:11:26
